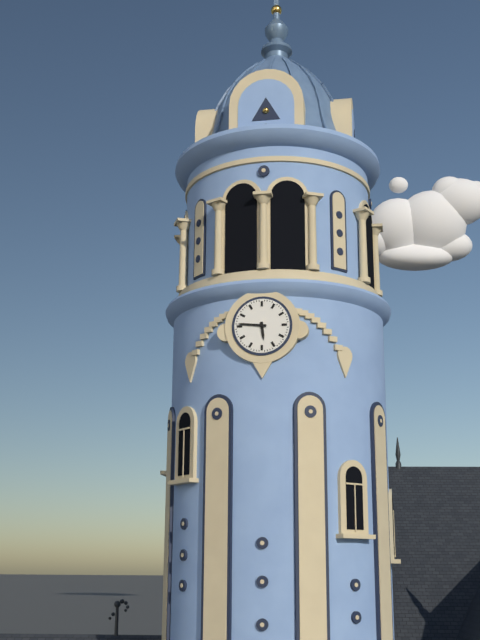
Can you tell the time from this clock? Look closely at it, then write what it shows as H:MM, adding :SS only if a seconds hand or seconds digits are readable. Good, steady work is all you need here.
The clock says 5:46
